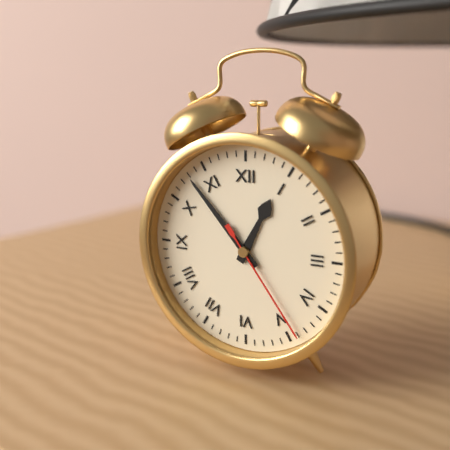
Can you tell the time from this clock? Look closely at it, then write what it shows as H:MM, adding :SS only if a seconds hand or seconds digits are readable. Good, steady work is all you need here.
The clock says 12:53:24
